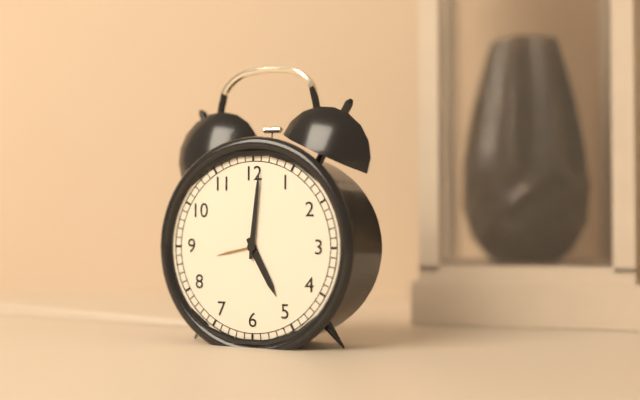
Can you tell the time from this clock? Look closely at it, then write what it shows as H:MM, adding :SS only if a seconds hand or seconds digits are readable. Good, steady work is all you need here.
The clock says 5:01
